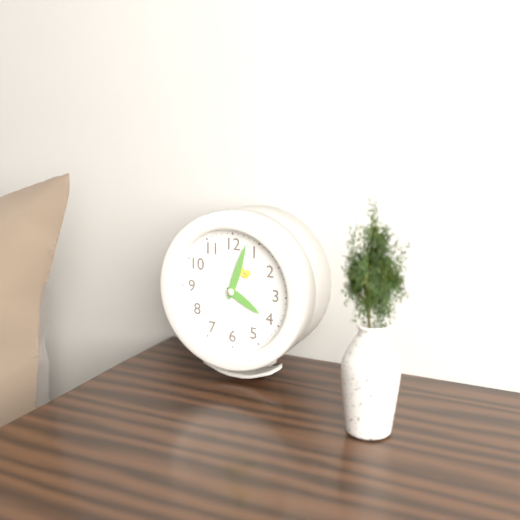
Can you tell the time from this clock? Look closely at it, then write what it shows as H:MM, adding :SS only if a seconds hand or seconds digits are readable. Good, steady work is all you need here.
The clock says 4:03
